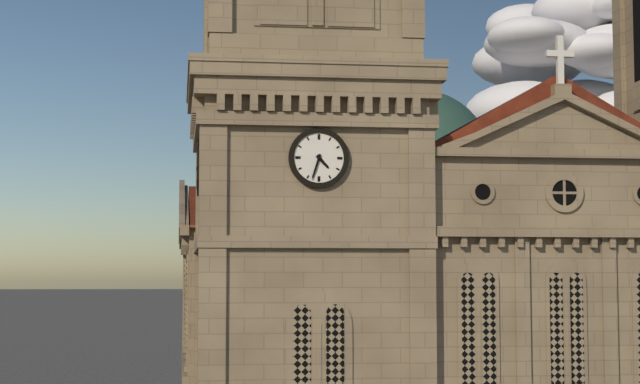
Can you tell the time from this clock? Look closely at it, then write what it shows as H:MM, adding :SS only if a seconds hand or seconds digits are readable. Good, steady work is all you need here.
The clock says 4:33
